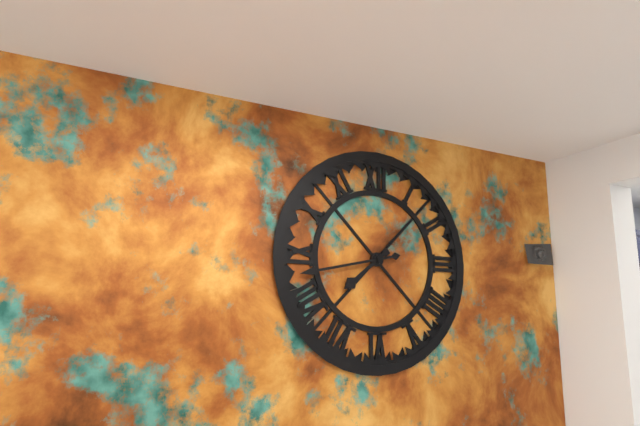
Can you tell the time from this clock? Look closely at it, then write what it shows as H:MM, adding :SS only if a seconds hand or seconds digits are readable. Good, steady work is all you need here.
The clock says 7:43
